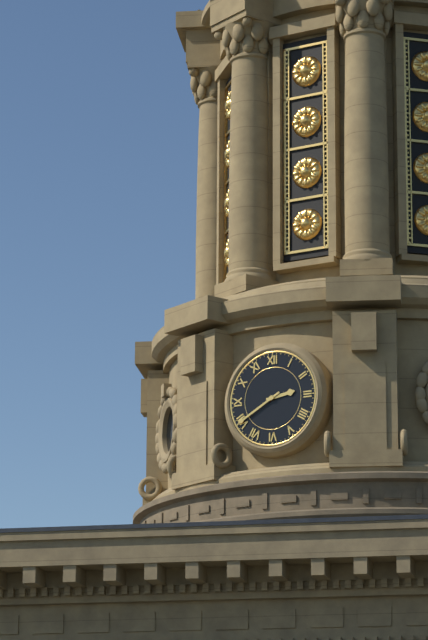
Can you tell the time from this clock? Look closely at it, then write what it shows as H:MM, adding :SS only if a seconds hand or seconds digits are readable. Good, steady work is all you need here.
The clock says 2:40
